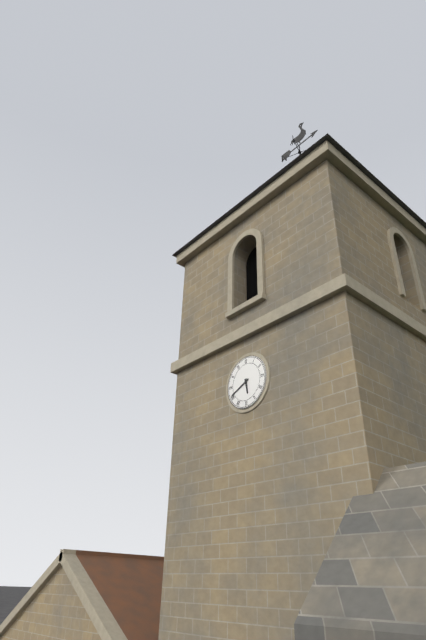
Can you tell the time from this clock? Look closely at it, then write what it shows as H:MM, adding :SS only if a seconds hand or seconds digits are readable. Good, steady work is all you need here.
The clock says 5:41
